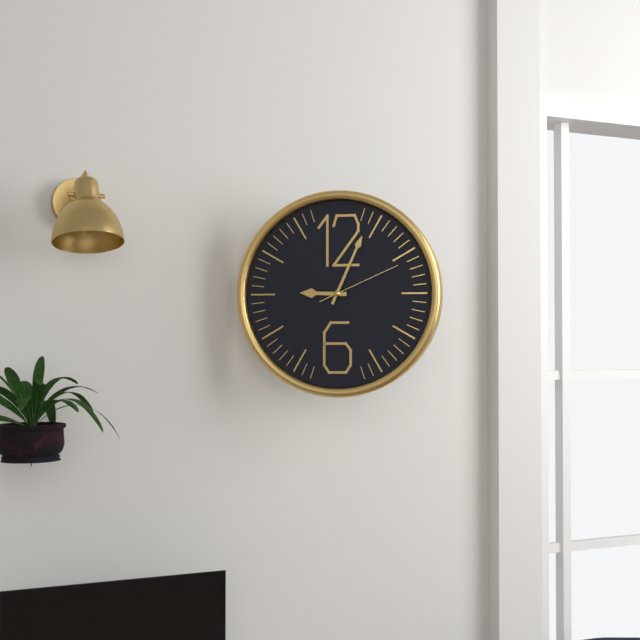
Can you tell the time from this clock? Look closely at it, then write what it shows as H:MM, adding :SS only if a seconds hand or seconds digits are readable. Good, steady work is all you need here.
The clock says 9:04:11
